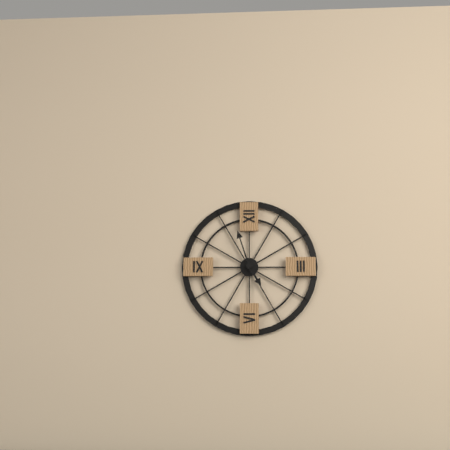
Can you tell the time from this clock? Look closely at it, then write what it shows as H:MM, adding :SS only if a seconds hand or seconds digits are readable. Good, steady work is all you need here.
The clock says 4:57
